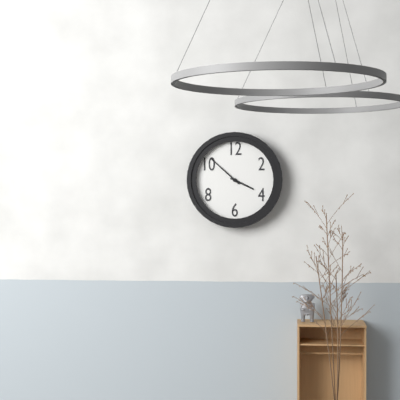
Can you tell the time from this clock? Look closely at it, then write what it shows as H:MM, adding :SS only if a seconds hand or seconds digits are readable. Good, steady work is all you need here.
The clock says 3:52
